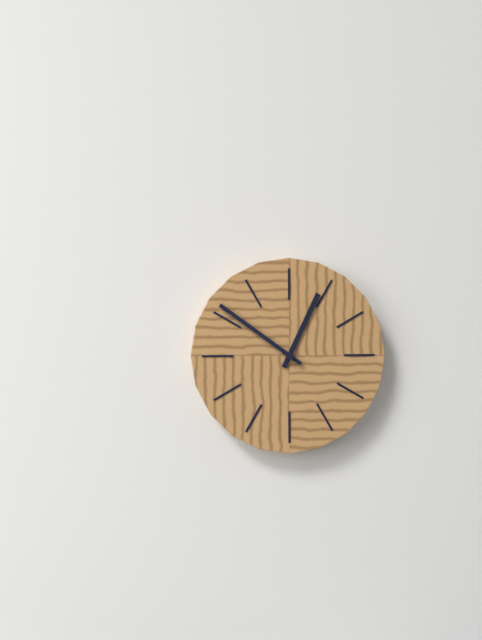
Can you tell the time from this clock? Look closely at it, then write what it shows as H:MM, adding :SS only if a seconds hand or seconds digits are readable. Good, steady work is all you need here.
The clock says 12:51
